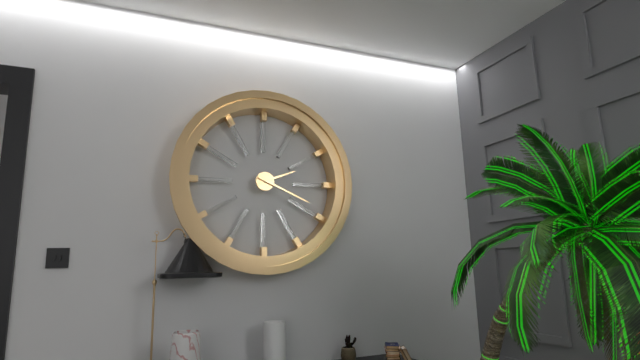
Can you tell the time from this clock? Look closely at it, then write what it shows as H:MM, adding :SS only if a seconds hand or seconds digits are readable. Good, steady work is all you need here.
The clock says 2:19
